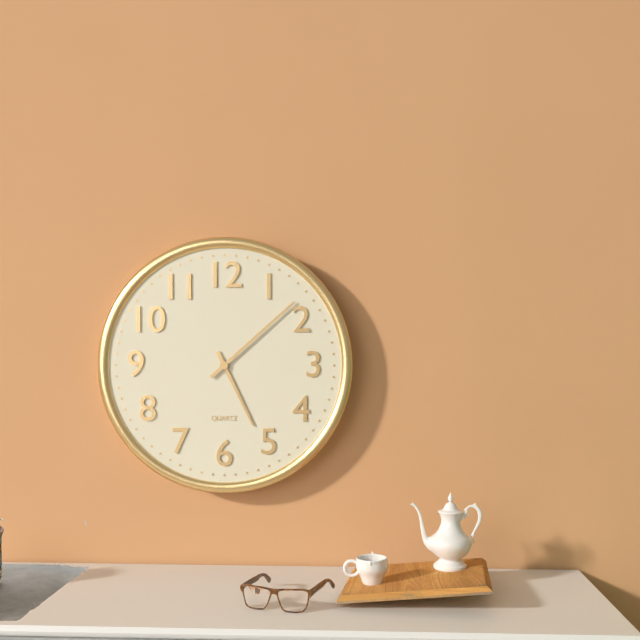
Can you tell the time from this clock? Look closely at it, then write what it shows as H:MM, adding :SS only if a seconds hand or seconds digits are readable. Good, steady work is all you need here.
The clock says 5:08
